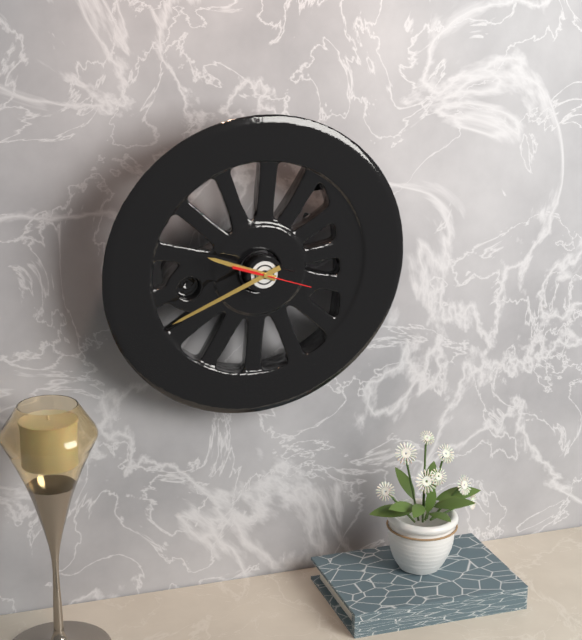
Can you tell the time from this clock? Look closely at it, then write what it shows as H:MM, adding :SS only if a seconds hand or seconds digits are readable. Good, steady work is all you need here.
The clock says 9:41:18
